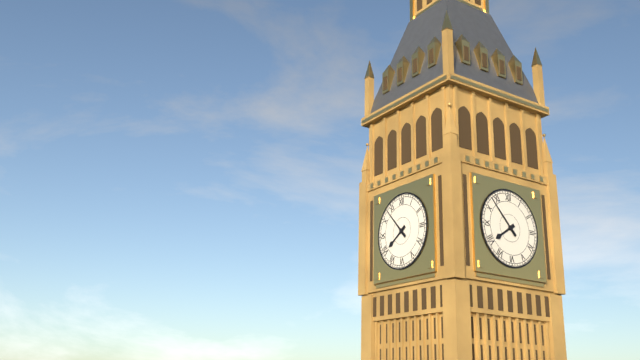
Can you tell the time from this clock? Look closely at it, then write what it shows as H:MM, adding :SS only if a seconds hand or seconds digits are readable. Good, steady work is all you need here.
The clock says 7:53
